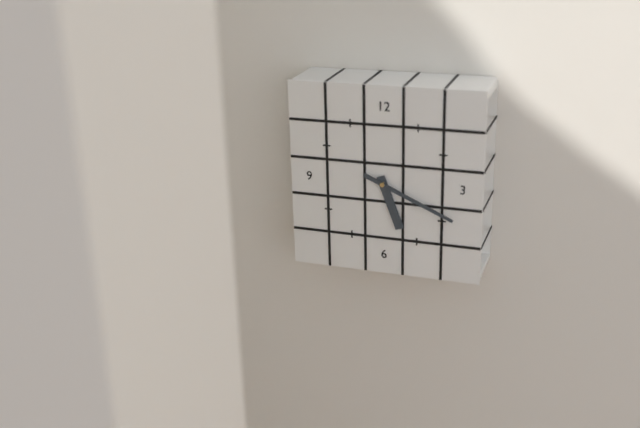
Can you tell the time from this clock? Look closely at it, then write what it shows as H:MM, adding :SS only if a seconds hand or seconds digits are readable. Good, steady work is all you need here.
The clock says 5:19
